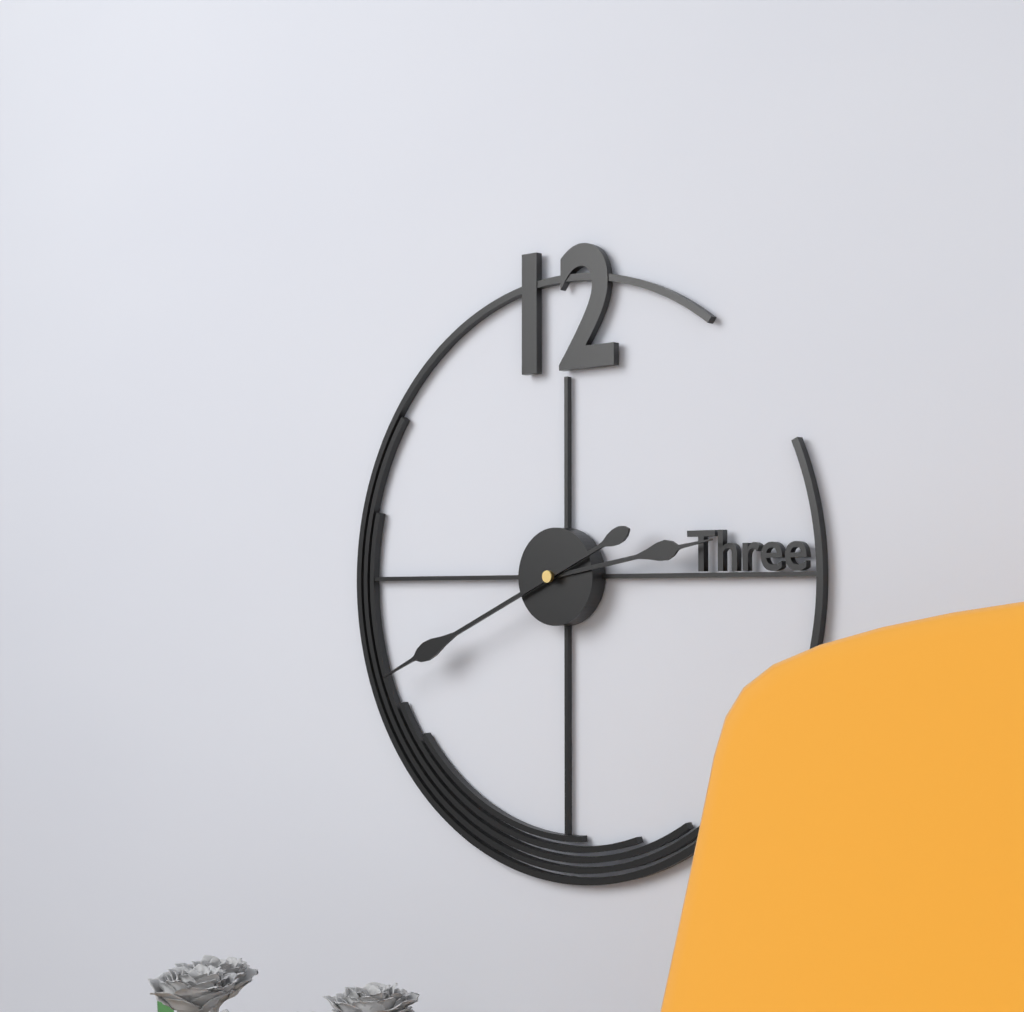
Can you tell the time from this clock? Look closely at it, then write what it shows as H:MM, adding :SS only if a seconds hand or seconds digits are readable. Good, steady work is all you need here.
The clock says 2:41
